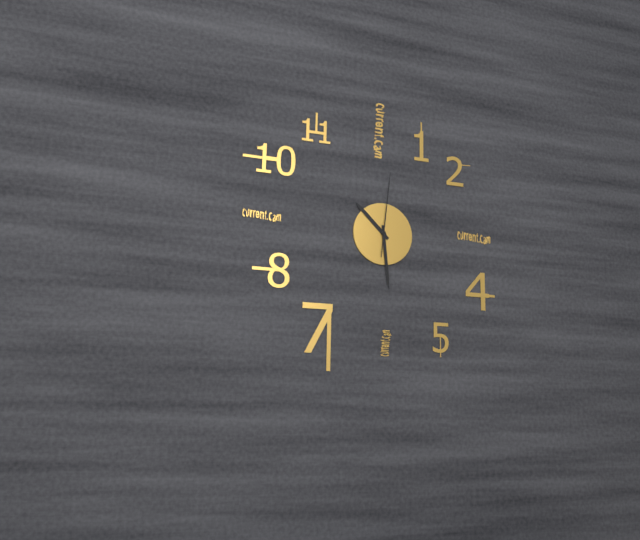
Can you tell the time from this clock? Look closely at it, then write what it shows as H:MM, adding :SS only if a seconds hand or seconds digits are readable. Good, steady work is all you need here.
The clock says 10:29:01
